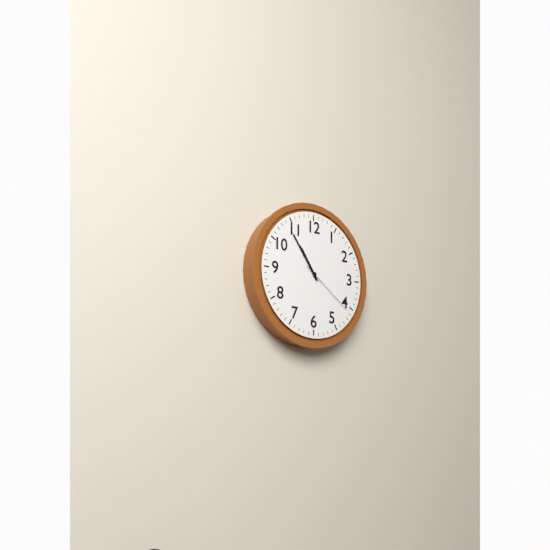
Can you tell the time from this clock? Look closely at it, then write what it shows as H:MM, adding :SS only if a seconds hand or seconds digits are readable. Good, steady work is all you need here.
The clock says 10:54:21
